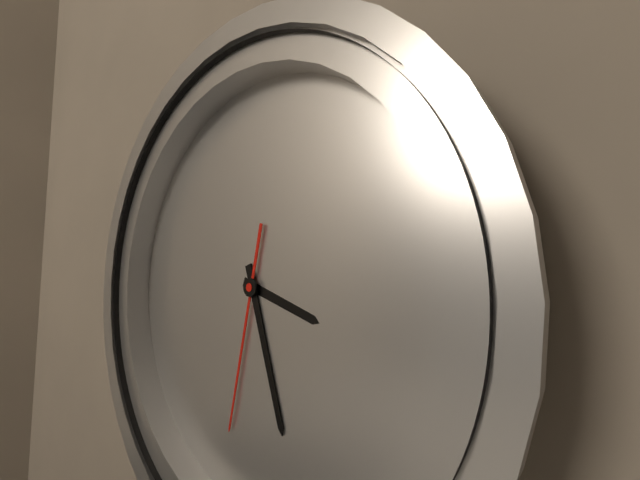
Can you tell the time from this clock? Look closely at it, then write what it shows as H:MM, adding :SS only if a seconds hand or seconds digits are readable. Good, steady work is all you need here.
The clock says 3:26:31
